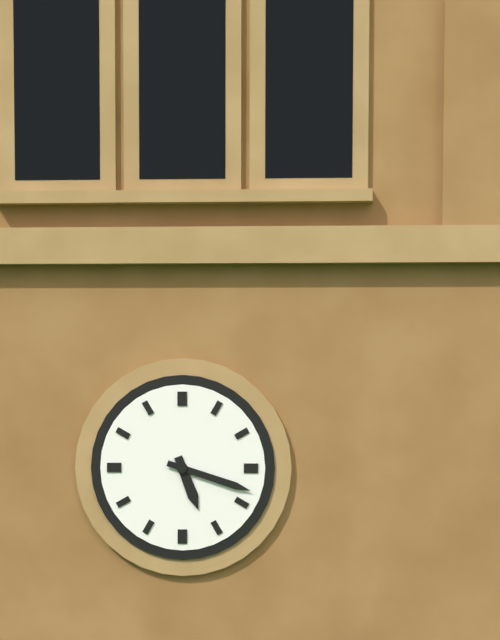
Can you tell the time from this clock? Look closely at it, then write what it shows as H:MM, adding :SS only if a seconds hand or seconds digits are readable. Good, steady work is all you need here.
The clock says 5:18
